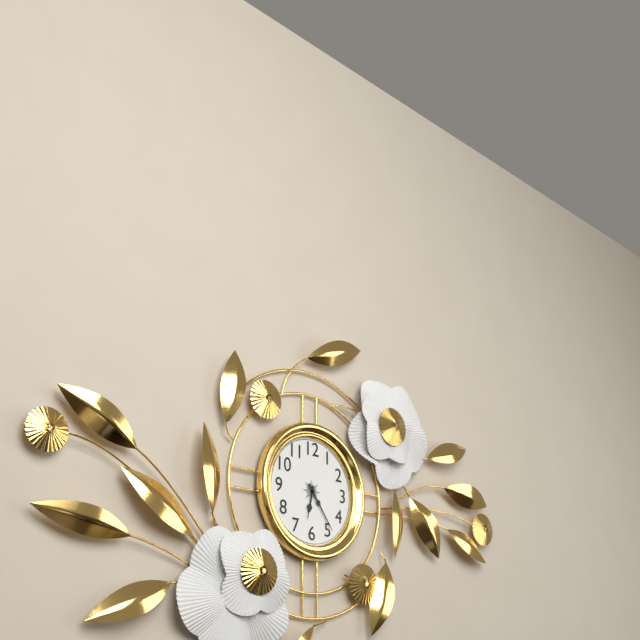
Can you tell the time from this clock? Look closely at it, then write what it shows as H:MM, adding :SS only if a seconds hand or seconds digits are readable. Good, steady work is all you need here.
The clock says 6:24
